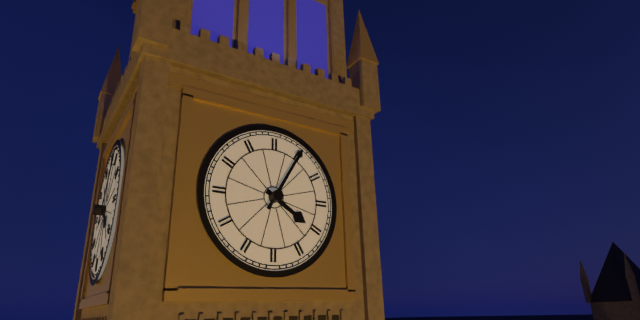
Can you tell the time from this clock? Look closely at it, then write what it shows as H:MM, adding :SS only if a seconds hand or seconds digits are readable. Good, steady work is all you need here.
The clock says 4:05
